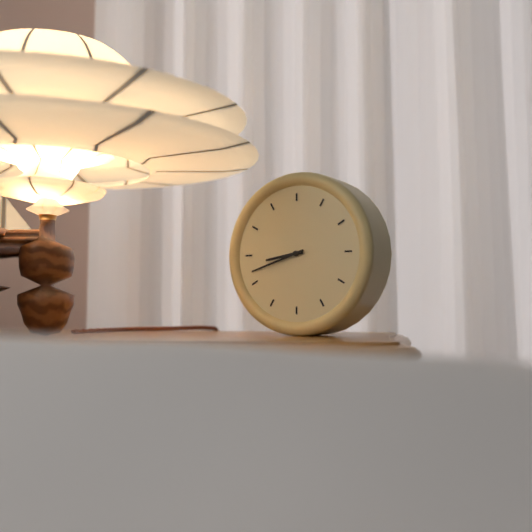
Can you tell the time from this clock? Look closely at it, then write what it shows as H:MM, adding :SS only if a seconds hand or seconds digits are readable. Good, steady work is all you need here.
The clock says 8:42
